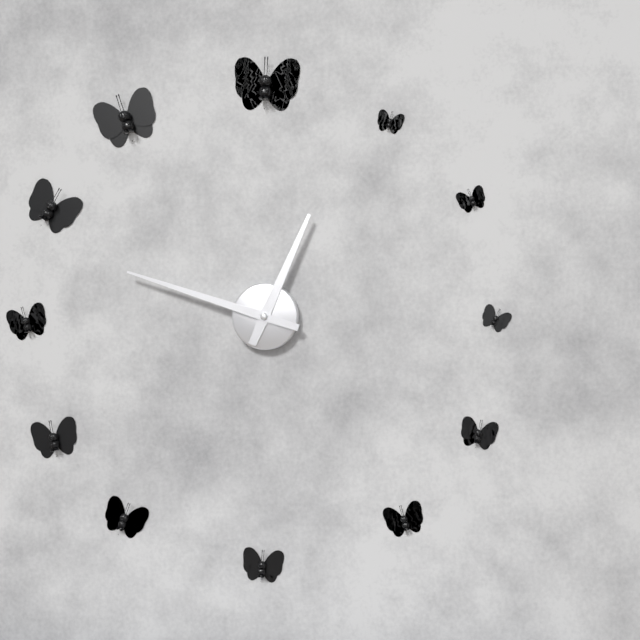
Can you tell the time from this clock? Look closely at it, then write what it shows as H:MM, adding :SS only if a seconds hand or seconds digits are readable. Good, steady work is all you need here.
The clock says 12:48
